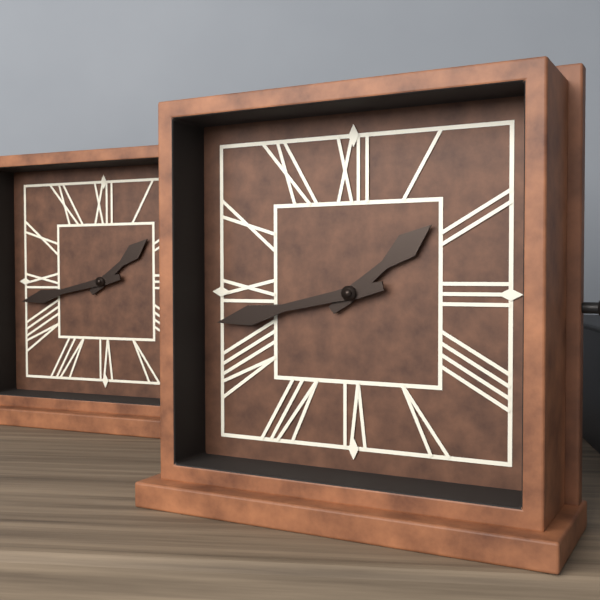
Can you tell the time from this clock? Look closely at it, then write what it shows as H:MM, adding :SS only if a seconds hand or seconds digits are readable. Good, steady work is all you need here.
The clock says 1:43
